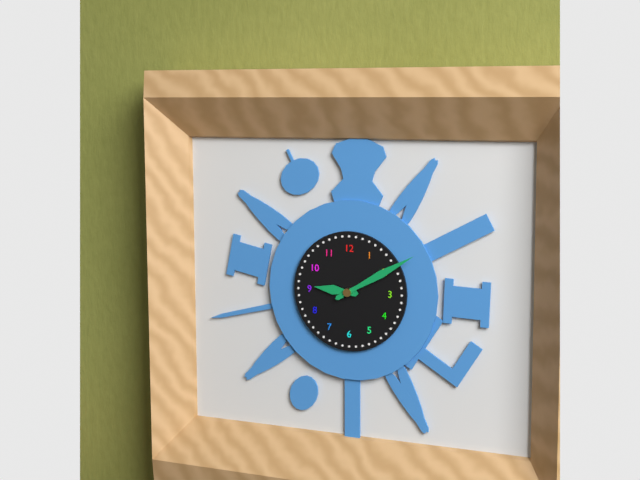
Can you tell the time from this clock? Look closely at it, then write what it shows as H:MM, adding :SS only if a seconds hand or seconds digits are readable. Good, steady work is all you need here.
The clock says 9:10
